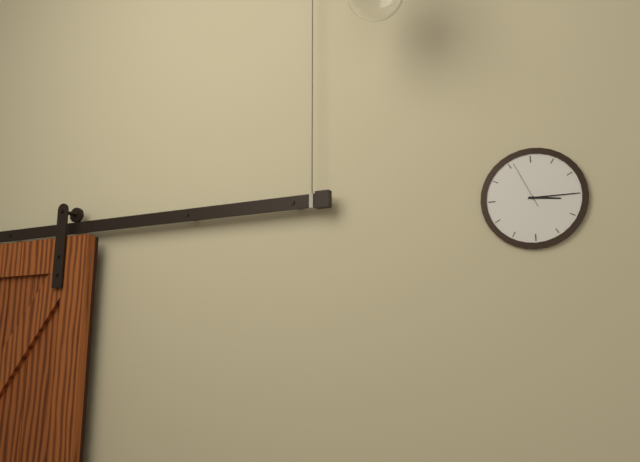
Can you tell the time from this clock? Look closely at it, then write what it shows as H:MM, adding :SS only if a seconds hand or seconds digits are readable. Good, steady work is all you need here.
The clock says 3:15
